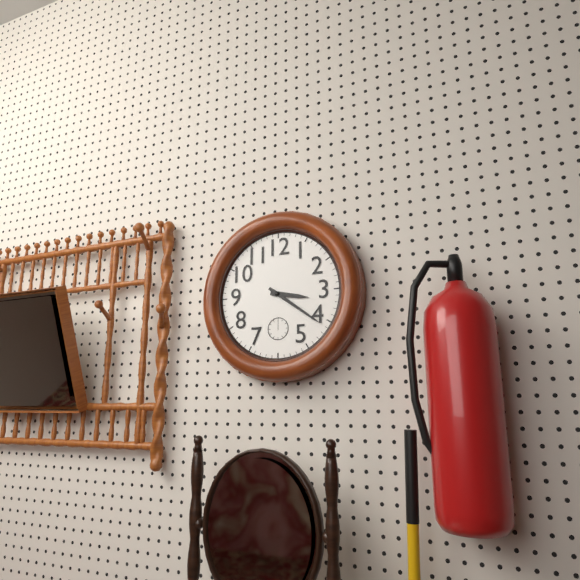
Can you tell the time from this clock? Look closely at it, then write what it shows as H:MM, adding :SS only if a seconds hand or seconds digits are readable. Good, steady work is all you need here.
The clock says 3:21
